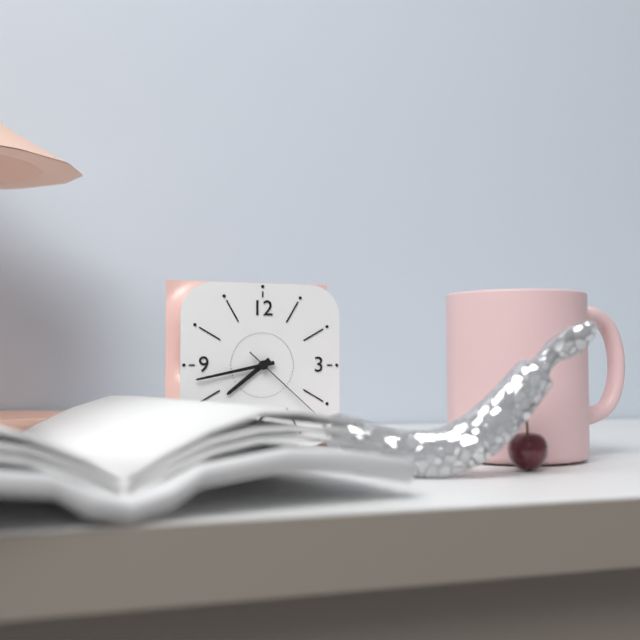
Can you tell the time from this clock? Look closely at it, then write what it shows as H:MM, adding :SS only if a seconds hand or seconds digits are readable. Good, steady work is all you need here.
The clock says 7:43:22
